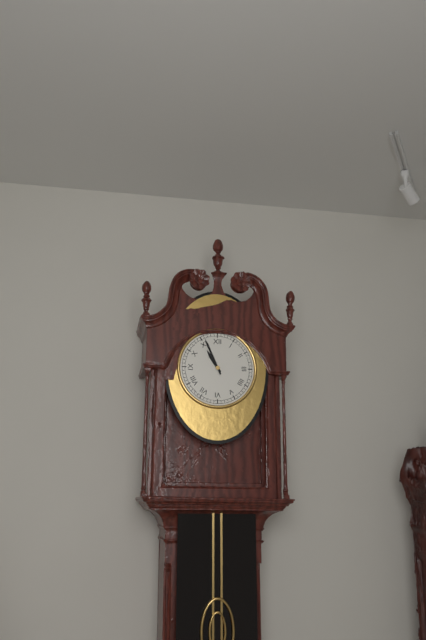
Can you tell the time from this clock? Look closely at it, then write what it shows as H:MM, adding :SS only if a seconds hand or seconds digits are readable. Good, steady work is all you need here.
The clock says 10:56
